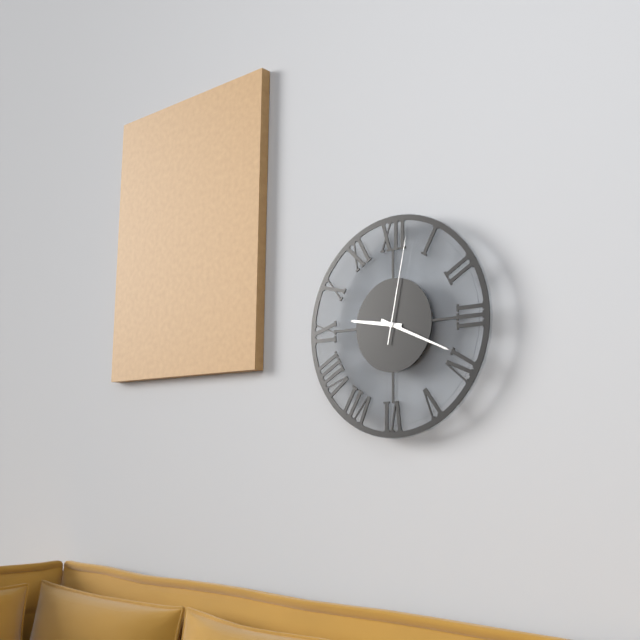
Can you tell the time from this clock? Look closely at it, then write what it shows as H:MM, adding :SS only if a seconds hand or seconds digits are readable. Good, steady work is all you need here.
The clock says 9:19:02
